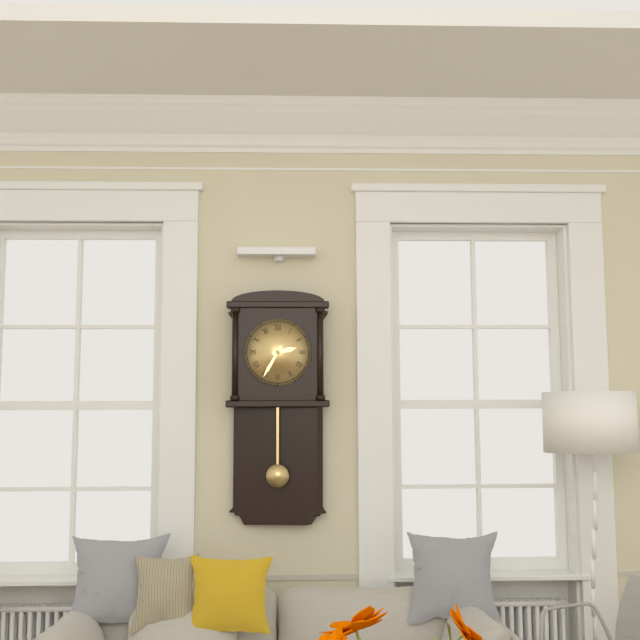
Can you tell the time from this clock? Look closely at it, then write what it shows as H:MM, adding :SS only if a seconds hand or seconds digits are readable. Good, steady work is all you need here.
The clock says 2:35
